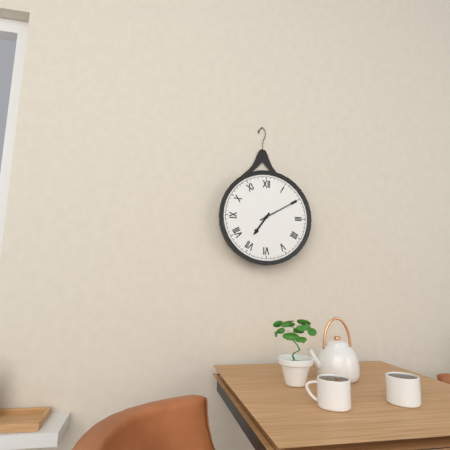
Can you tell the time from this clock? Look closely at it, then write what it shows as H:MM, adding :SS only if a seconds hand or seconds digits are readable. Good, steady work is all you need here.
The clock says 7:10
